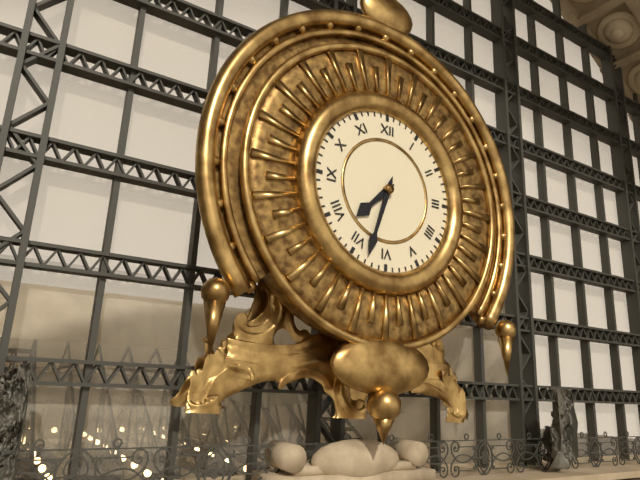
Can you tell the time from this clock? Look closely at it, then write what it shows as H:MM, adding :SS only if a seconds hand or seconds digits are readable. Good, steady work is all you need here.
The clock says 7:33
